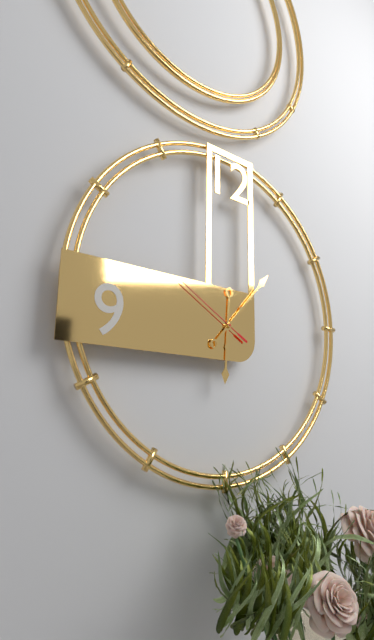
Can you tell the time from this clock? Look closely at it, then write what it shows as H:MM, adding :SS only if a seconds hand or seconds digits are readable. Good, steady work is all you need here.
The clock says 6:07:50
